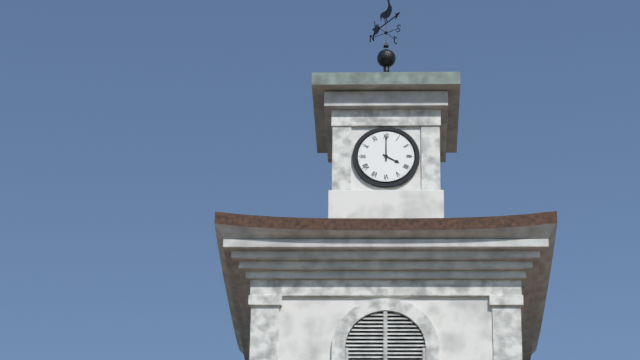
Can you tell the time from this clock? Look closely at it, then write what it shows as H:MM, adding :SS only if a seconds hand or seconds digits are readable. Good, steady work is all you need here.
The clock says 4:00
